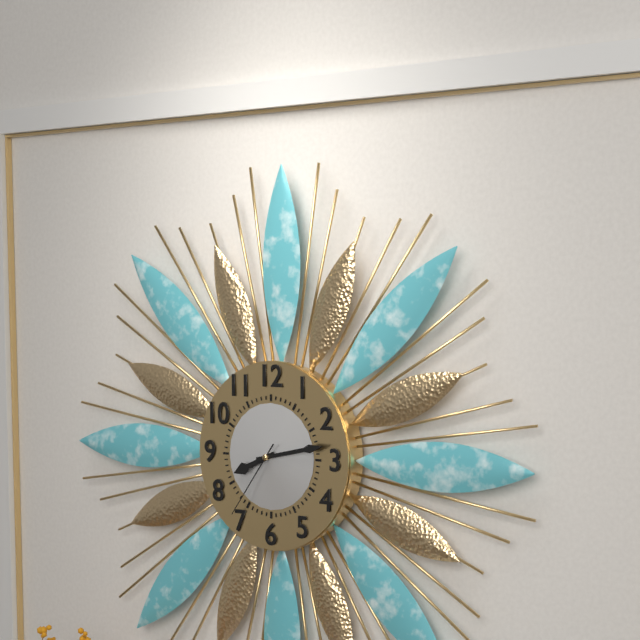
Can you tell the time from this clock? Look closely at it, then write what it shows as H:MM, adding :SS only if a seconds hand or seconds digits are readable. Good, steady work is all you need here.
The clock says 8:13:36
